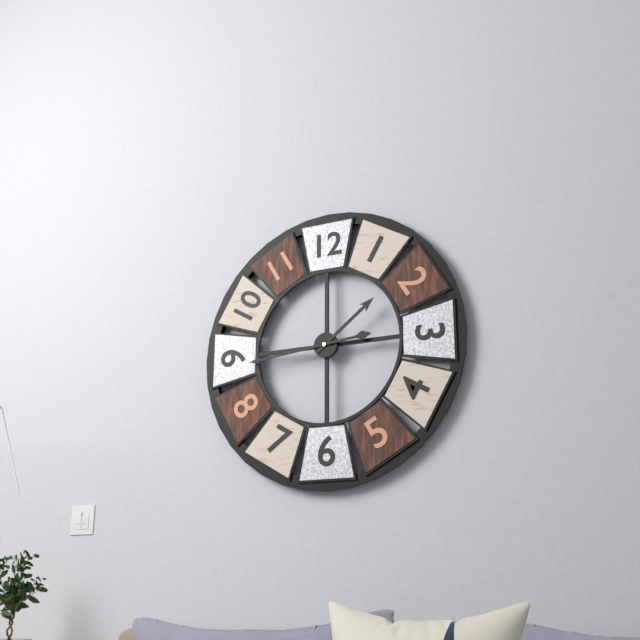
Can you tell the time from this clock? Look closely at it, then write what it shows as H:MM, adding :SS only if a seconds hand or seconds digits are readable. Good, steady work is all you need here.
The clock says 1:44
